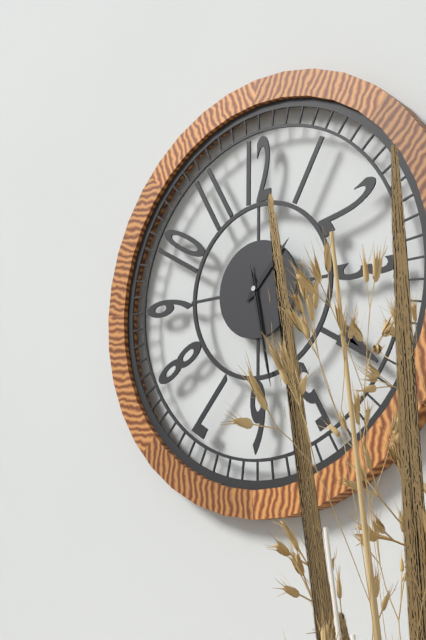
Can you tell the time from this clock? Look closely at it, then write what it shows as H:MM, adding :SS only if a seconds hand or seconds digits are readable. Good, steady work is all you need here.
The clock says 1:28:28
